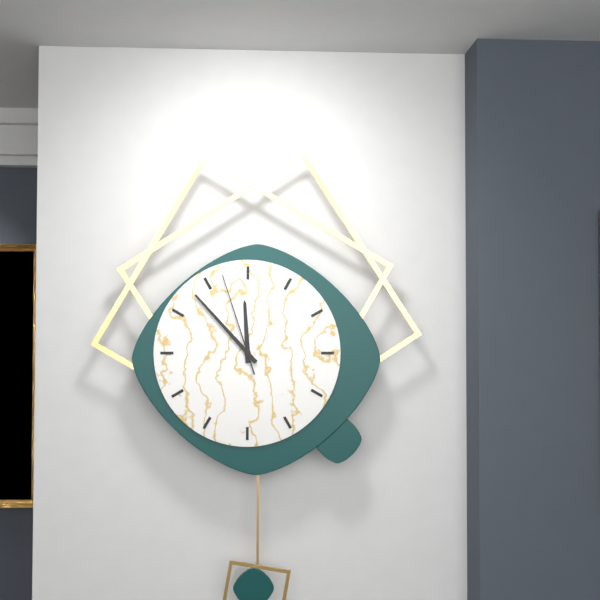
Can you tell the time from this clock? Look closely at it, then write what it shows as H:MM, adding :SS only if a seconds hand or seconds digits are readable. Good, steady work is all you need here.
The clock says 11:53:57
